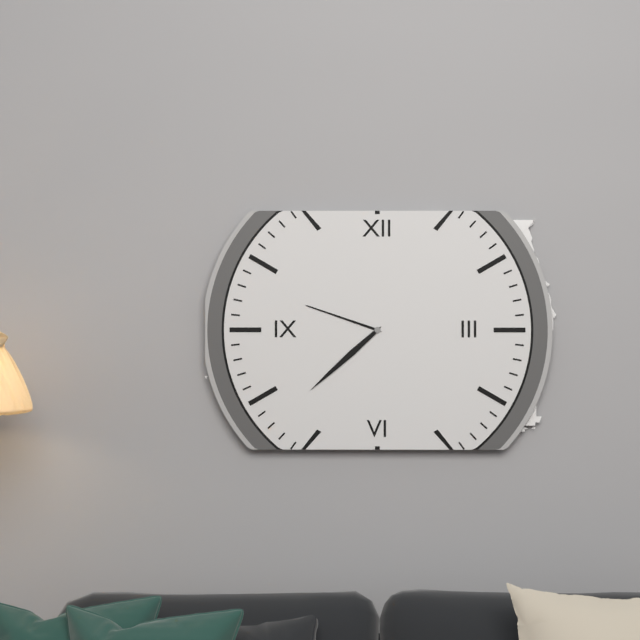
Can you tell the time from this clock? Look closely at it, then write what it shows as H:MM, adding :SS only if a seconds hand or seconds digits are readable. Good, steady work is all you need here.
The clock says 9:38
